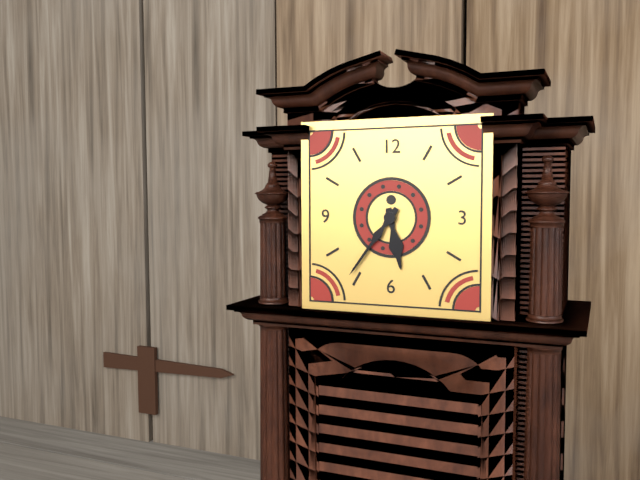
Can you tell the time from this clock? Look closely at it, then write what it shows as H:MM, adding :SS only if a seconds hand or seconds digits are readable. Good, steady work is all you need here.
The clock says 5:36
